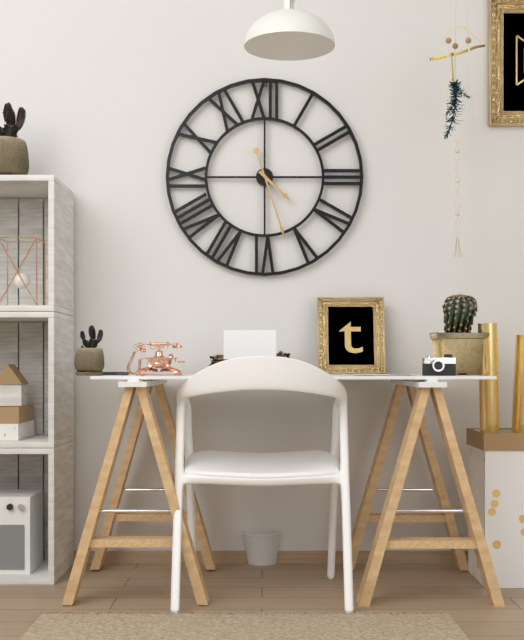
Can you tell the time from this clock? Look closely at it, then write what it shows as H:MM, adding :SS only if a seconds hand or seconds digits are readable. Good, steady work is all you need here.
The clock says 4:27
